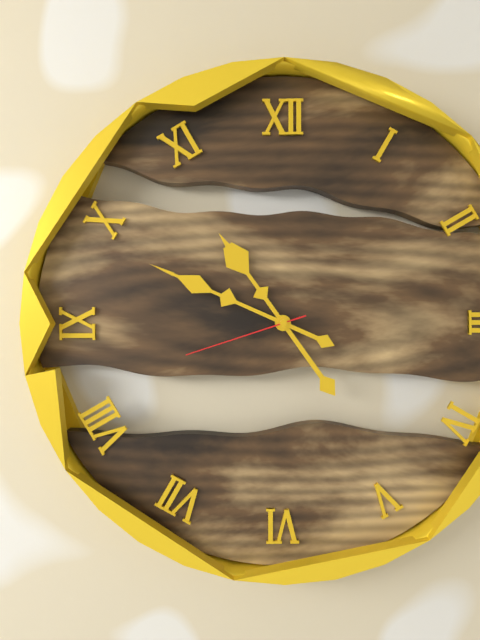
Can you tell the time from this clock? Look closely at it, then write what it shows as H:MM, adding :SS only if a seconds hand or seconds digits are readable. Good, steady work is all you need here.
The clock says 10:49:42
